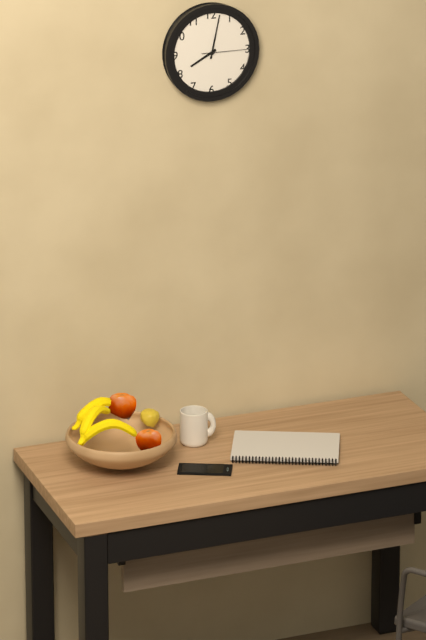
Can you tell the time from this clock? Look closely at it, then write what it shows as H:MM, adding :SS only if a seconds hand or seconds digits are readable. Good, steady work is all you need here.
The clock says 8:02
